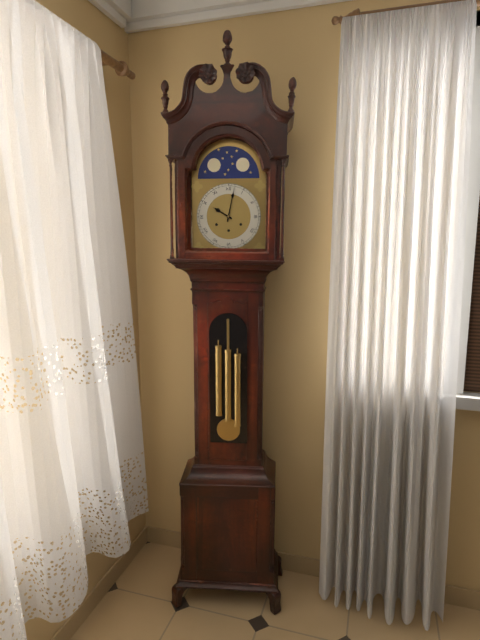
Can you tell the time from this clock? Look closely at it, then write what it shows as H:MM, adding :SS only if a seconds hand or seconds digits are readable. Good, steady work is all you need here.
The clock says 10:02
